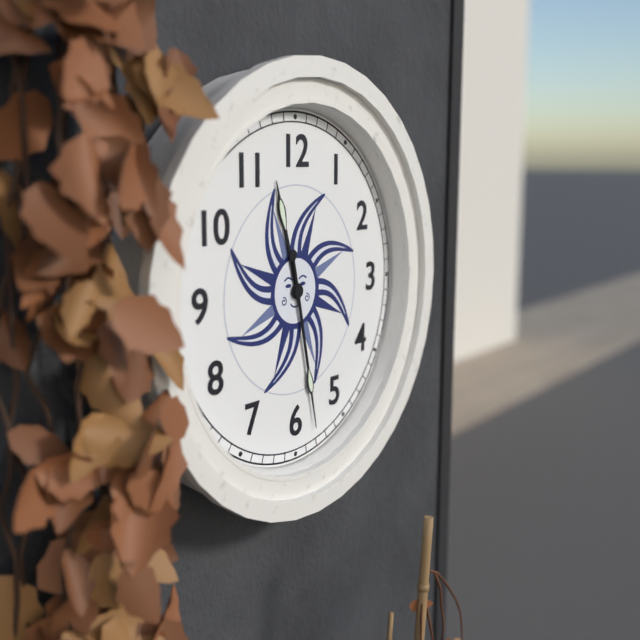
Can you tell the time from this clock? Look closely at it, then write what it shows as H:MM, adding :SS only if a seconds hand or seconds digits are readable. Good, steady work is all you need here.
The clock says 11:28
